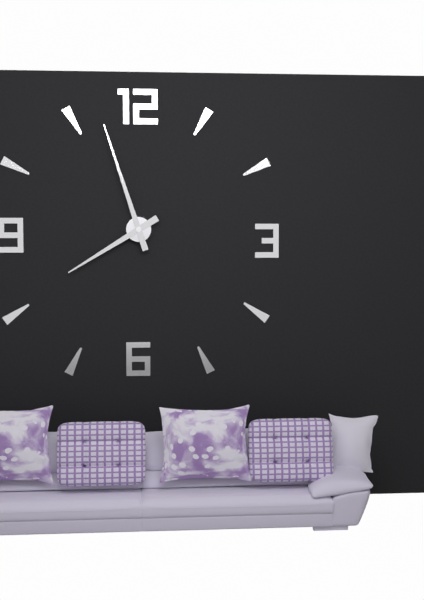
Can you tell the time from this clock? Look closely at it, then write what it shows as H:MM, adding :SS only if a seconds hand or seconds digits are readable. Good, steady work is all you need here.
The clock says 7:57
